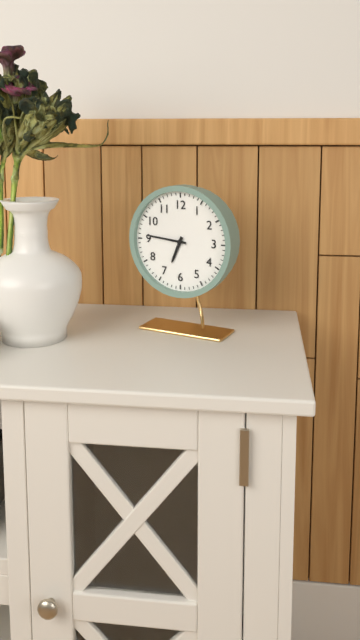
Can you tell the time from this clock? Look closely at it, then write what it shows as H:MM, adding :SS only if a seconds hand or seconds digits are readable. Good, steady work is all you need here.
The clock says 6:46
